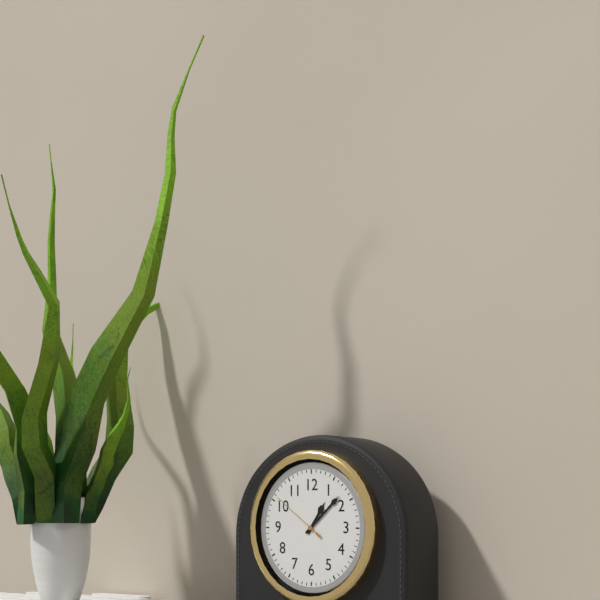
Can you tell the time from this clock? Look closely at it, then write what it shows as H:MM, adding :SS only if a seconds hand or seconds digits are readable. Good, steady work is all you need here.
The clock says 1:08:51
